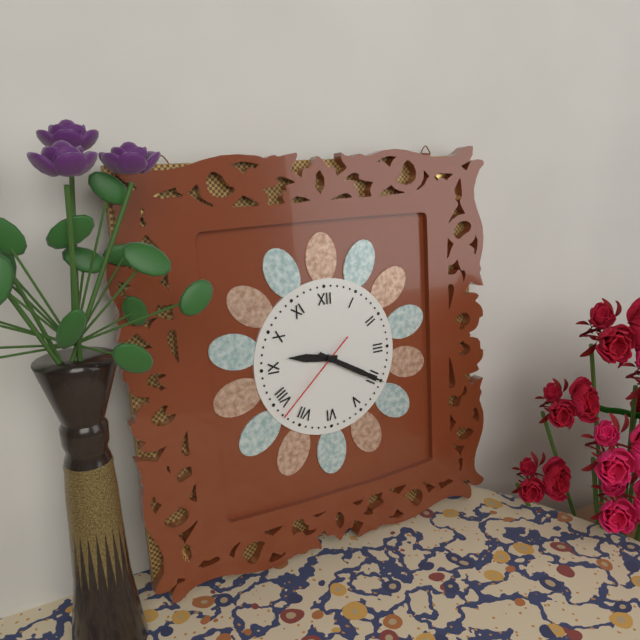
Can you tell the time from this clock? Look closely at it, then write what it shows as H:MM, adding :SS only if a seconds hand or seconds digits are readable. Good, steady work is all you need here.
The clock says 9:20:38
